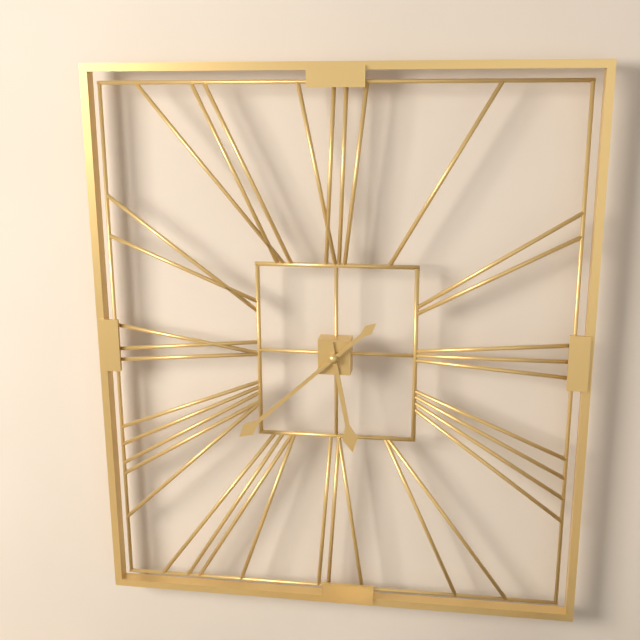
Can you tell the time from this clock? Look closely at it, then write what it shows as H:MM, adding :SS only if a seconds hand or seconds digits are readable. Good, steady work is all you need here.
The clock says 5:38
